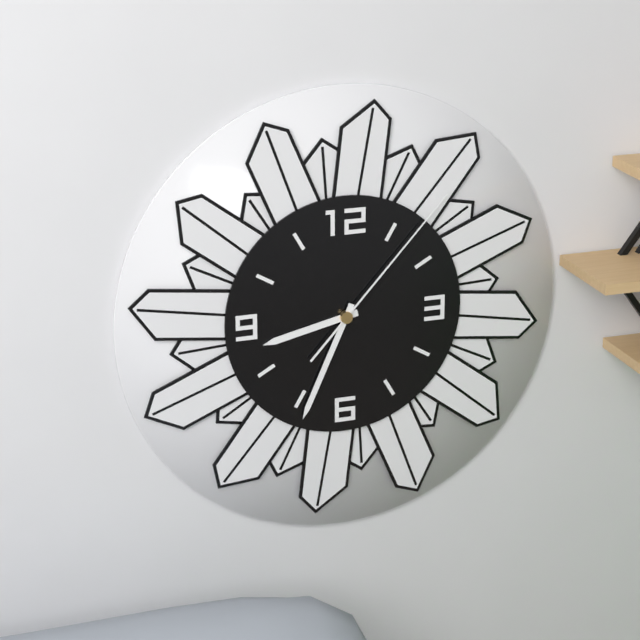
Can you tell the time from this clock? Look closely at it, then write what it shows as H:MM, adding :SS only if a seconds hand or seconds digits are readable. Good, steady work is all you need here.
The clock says 8:34:07
